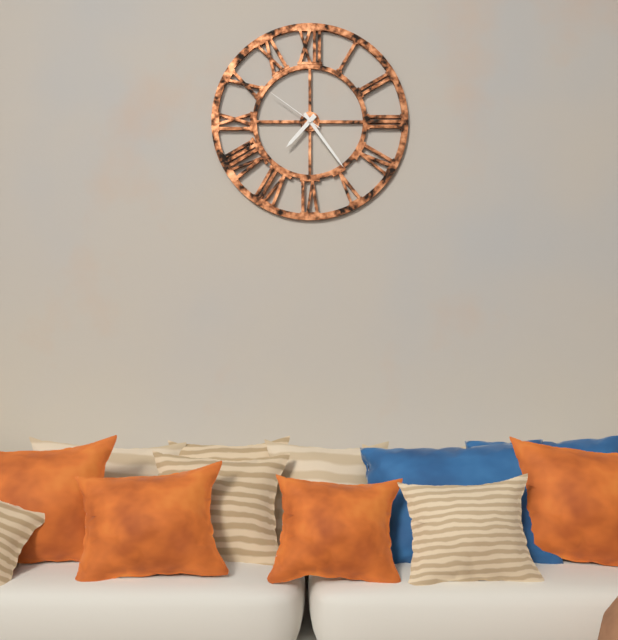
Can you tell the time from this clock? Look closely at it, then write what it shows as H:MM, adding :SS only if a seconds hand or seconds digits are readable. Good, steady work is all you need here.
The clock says 7:24:51
